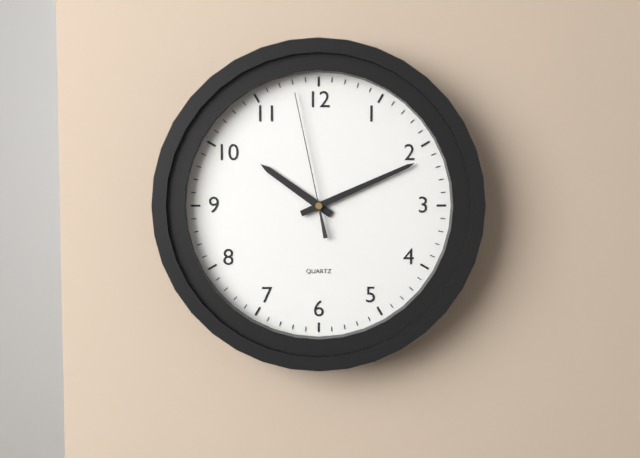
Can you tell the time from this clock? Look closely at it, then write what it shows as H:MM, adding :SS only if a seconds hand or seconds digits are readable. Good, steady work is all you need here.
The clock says 10:11:58
